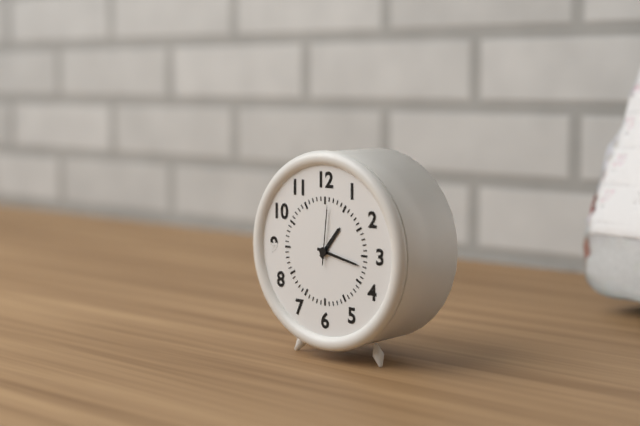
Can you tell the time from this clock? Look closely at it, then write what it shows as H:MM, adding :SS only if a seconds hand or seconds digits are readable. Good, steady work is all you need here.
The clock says 1:17:01
